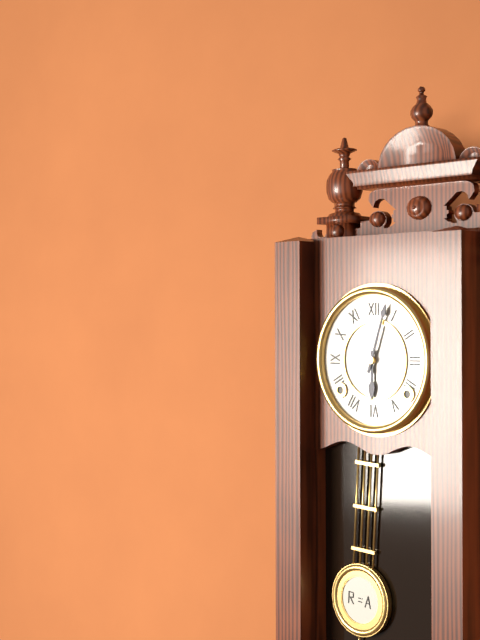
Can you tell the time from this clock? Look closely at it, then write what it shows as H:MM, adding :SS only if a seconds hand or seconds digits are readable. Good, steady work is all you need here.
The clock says 6:03
